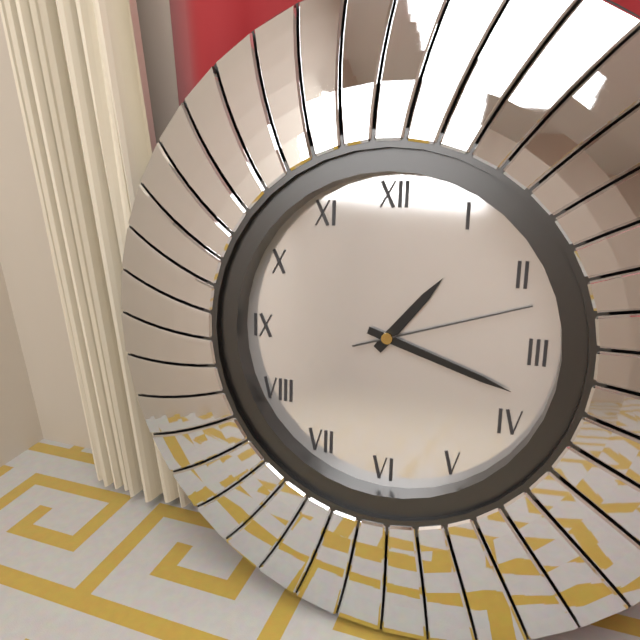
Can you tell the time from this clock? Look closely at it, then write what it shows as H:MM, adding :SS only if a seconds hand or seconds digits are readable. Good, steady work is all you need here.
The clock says 1:18:12
